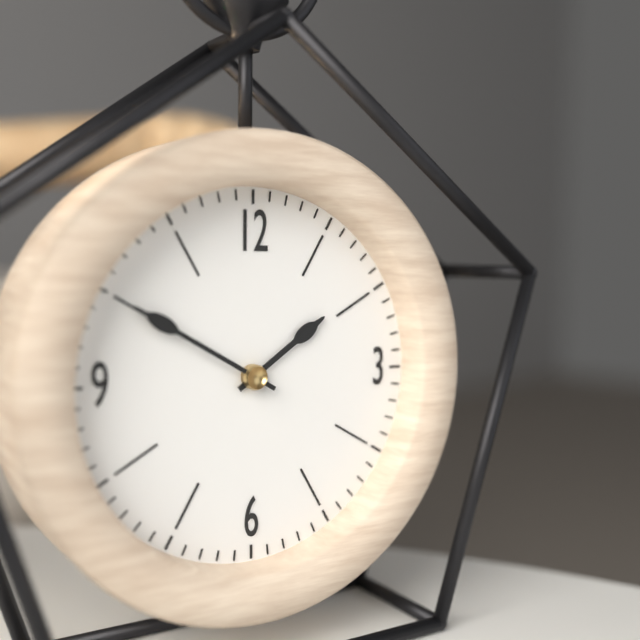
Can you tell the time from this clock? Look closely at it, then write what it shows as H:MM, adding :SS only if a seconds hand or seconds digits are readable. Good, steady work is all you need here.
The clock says 1:50
